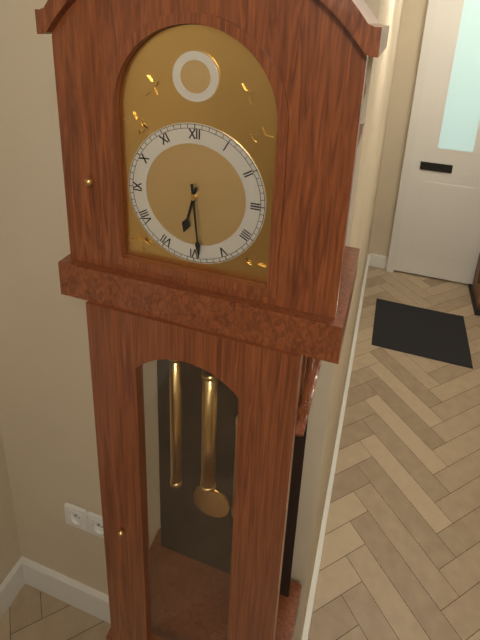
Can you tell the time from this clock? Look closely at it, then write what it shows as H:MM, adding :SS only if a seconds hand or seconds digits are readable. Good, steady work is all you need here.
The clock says 6:29
